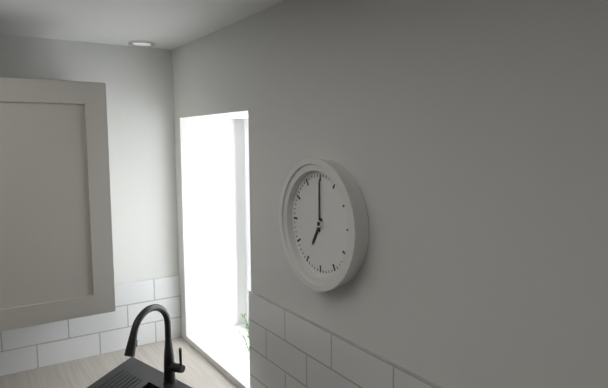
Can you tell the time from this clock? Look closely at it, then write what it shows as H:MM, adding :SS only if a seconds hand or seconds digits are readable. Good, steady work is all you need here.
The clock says 7:00
